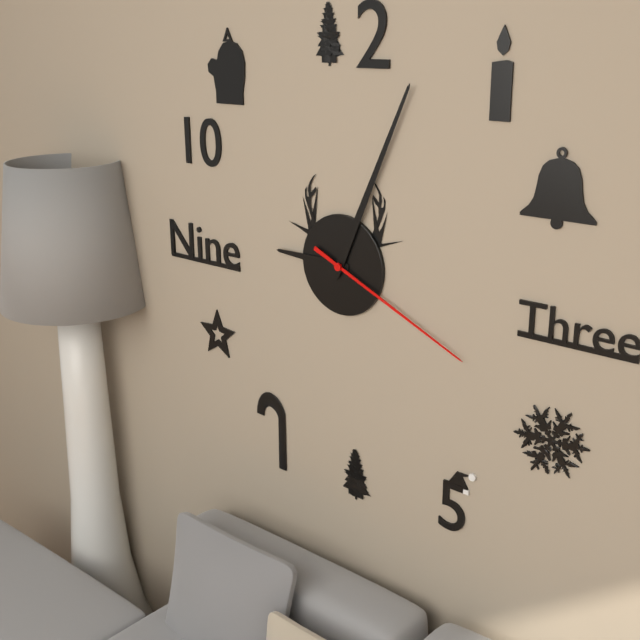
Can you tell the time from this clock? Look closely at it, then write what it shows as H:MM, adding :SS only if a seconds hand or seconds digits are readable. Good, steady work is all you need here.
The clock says 9:04:19
